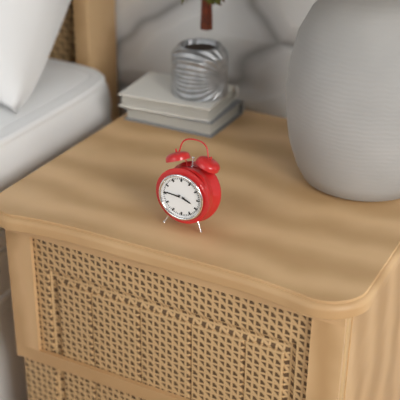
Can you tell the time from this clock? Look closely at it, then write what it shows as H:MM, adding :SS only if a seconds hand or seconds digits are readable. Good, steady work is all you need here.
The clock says 3:46
